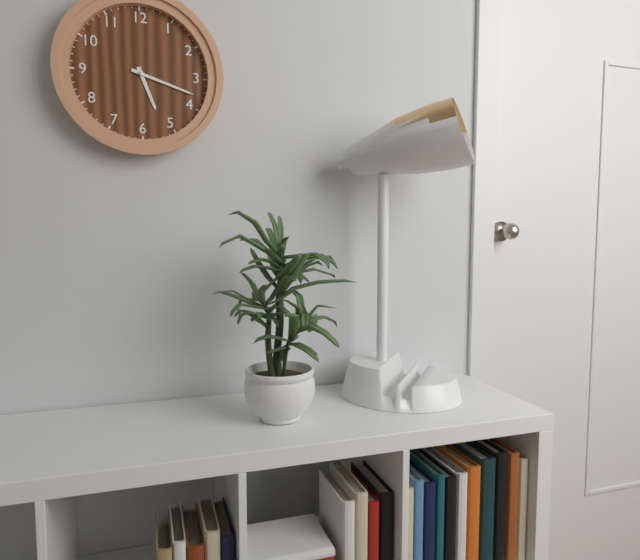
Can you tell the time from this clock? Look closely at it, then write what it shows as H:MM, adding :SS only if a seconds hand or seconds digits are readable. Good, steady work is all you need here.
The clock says 5:18
